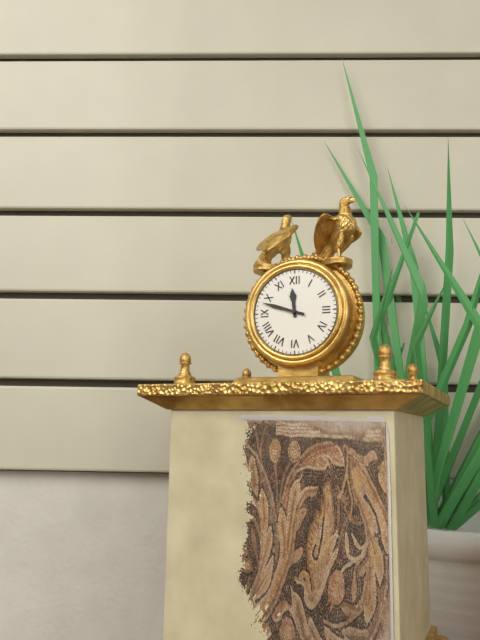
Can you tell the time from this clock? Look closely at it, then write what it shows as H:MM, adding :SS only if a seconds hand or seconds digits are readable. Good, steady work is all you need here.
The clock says 11:48
